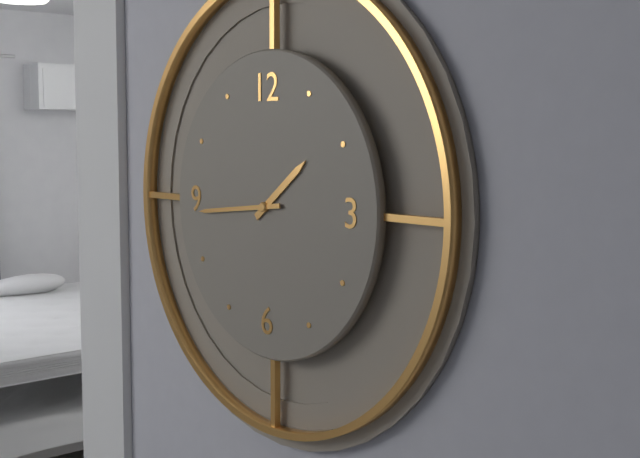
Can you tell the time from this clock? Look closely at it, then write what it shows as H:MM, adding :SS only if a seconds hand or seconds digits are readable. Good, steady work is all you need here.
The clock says 1:44
